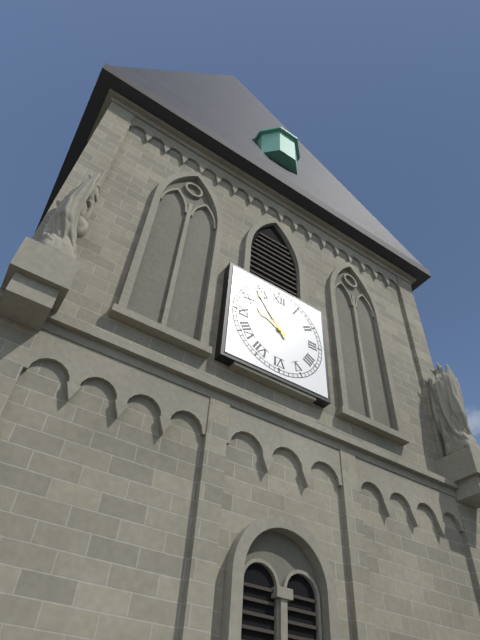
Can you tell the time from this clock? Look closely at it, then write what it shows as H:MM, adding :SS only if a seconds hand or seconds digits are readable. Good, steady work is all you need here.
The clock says 9:54
